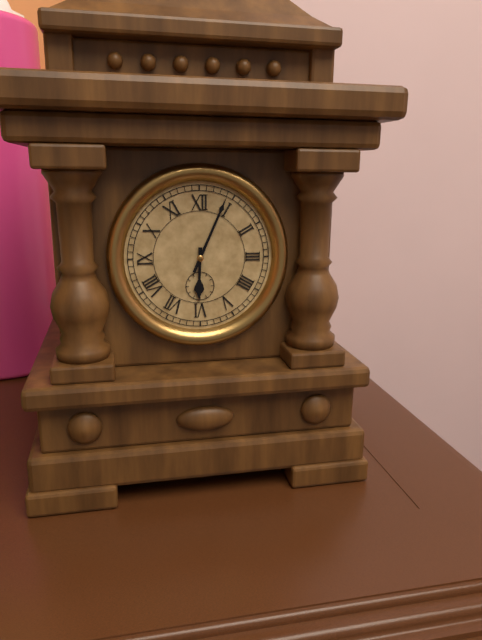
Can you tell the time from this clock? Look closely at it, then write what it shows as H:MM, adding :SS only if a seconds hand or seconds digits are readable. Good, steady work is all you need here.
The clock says 6:04
